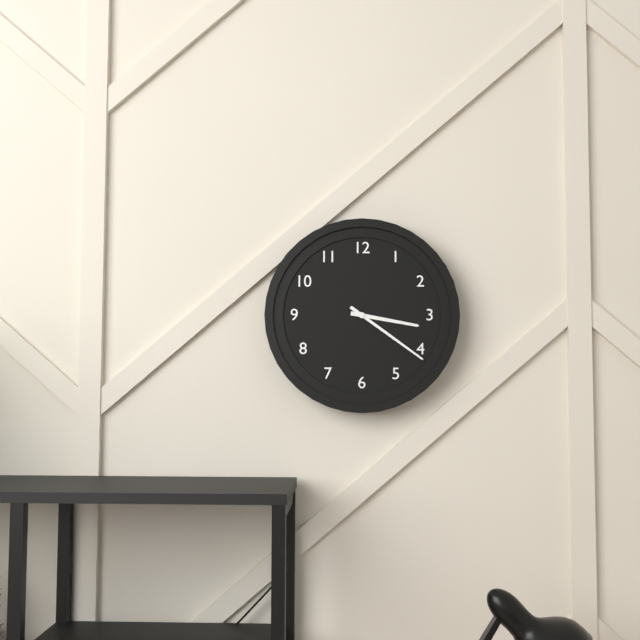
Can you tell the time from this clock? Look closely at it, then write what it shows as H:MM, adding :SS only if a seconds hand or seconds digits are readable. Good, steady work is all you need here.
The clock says 3:21
